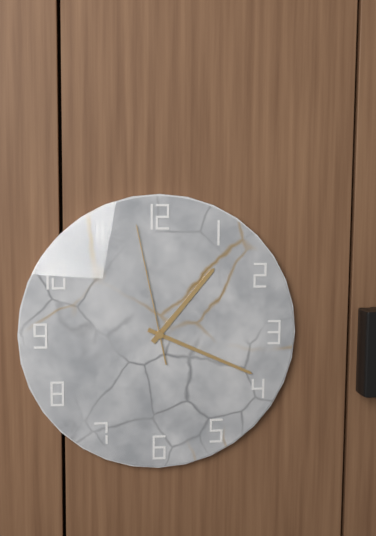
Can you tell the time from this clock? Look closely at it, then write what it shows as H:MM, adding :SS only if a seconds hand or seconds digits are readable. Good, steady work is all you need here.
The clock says 1:19:58
